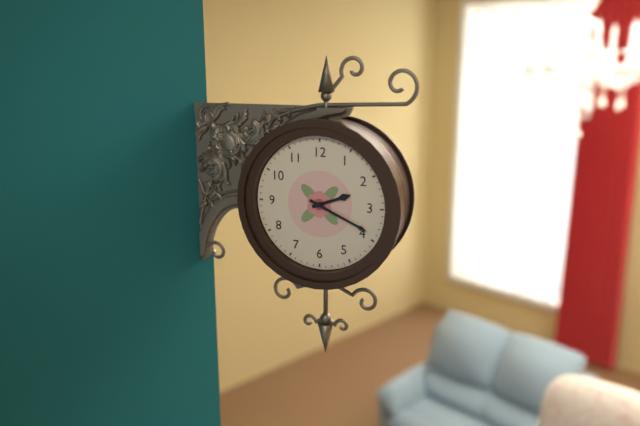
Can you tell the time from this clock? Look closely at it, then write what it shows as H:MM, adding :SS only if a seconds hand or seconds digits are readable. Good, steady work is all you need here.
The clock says 2:19
